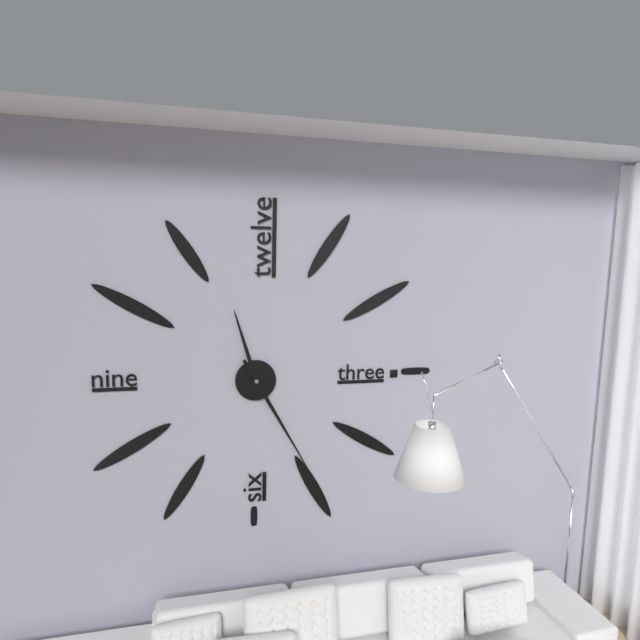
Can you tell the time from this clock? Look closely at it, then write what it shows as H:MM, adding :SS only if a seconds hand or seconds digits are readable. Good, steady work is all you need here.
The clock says 11:25
